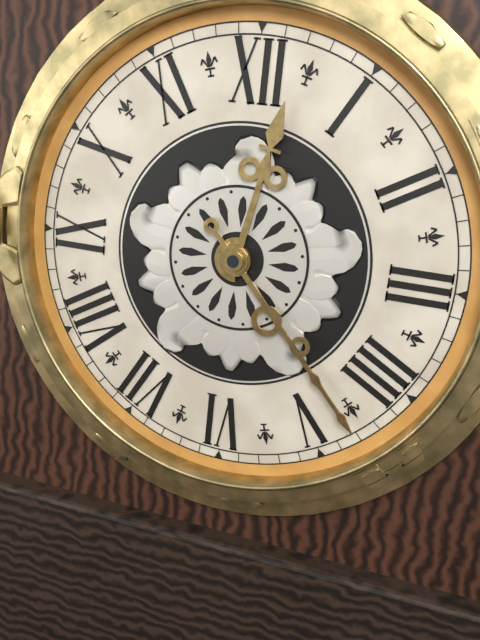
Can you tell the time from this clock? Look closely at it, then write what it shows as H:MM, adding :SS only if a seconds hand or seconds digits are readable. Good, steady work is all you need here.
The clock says 12:23
